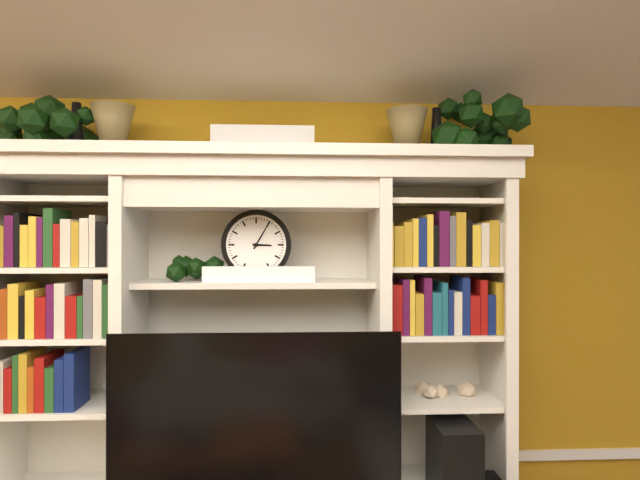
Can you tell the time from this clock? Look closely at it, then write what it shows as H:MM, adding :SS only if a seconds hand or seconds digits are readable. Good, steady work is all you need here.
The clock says 3:05
